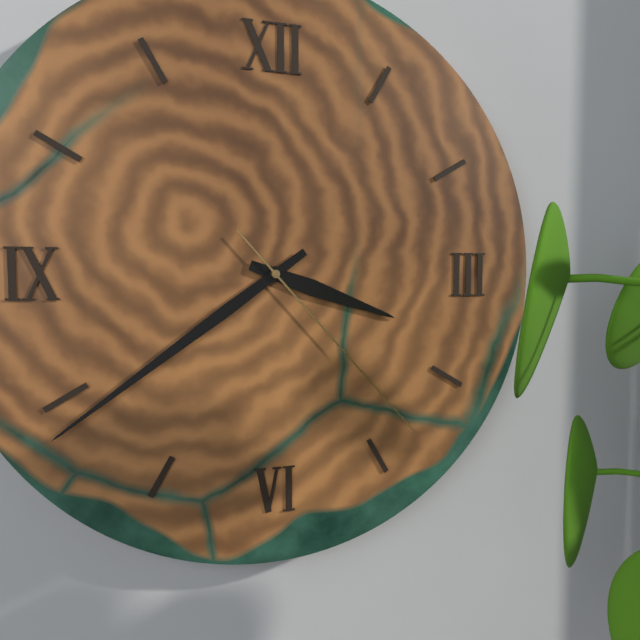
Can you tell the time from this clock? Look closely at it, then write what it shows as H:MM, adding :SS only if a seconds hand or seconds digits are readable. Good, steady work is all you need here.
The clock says 3:39:23
